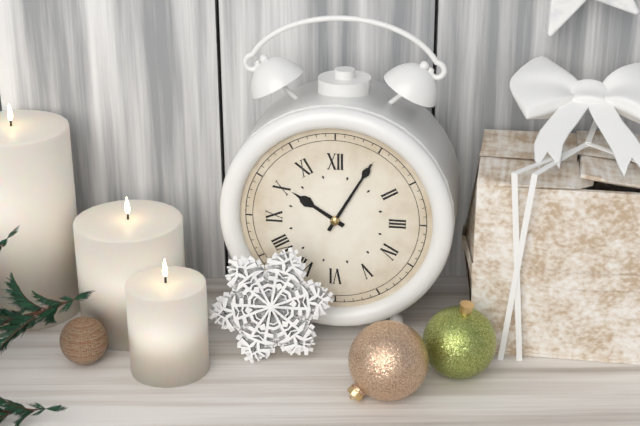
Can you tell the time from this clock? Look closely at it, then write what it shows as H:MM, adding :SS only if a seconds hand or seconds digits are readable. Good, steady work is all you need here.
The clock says 10:05
